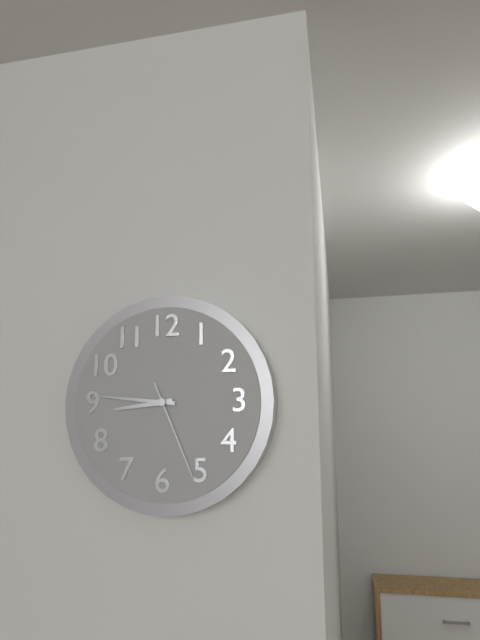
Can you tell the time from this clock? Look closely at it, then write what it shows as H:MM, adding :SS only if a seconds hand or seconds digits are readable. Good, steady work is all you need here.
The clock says 8:46:26
